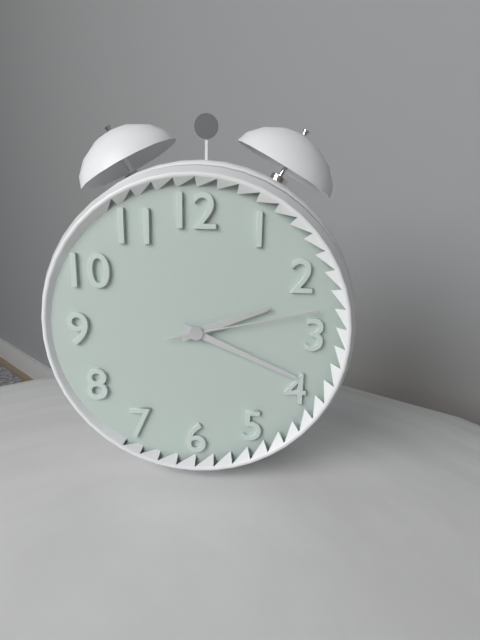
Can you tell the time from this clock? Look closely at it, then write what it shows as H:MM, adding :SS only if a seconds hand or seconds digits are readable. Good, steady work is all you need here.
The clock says 2:19:13
